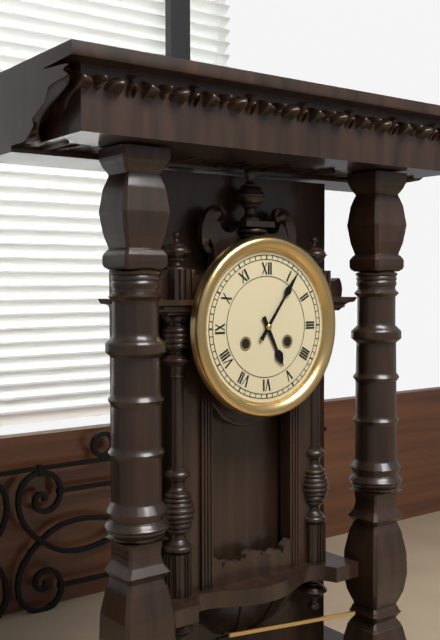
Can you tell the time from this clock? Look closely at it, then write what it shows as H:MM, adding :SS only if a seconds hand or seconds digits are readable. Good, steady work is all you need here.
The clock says 5:06
